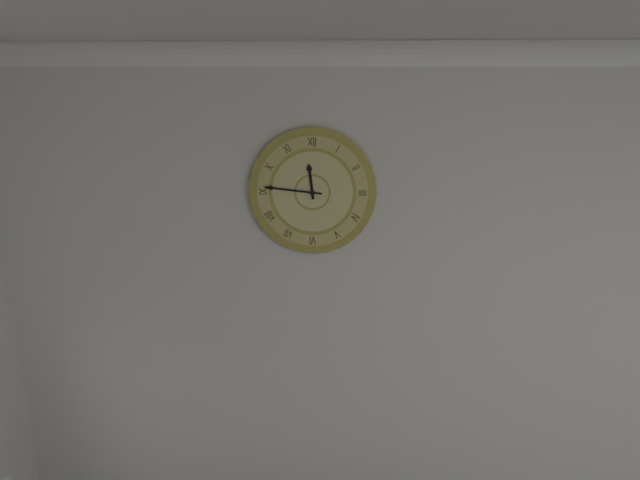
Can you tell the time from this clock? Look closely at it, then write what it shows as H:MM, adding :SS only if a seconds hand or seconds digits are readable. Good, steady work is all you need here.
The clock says 11:46
